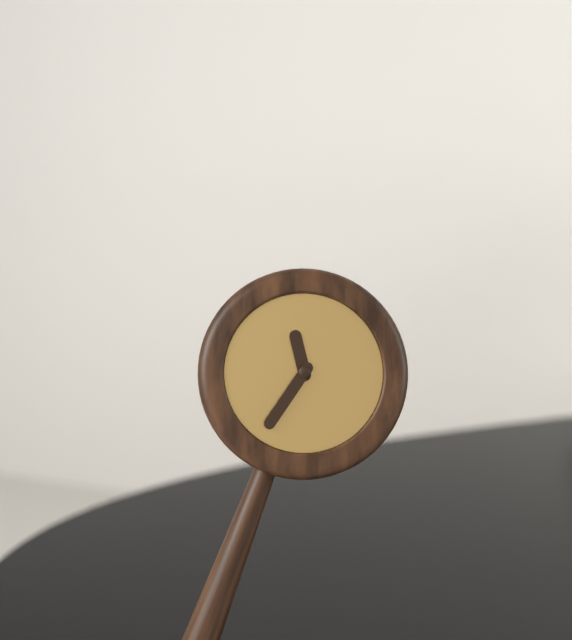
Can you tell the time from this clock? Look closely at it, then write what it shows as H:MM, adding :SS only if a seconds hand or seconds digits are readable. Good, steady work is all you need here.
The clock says 11:36
